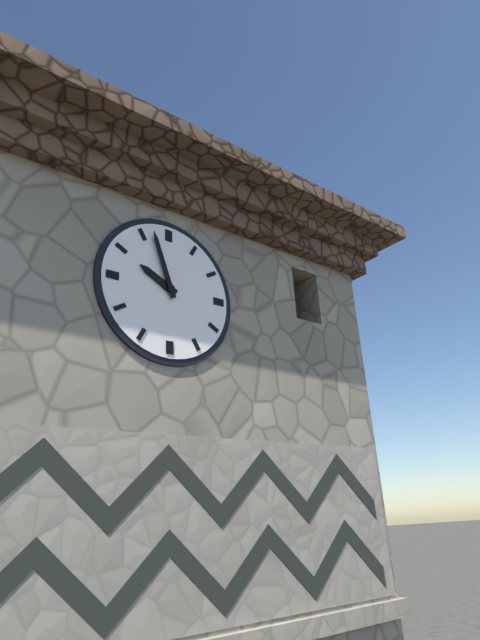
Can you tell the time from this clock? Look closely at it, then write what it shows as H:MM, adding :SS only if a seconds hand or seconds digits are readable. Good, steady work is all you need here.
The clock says 9:57
